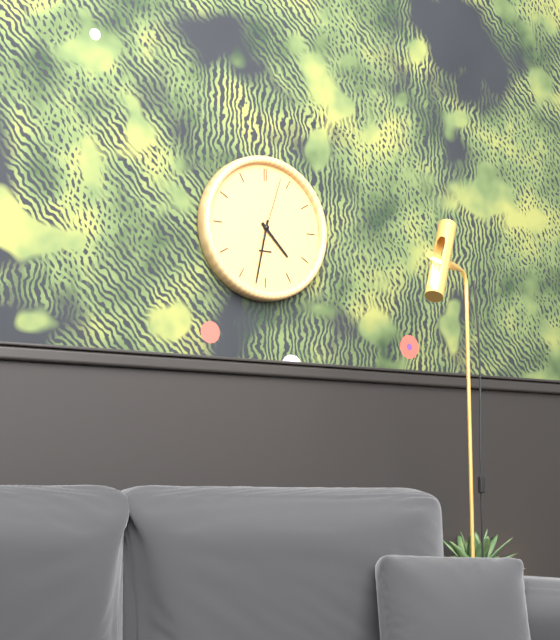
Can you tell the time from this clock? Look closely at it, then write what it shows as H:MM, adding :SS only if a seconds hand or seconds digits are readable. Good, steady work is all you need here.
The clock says 4:32:03
